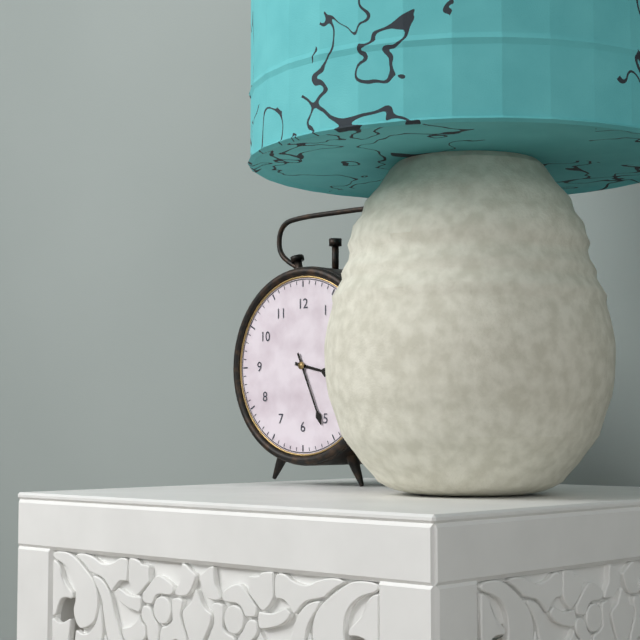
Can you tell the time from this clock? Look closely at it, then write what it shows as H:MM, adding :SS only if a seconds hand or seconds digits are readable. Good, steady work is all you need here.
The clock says 3:26
